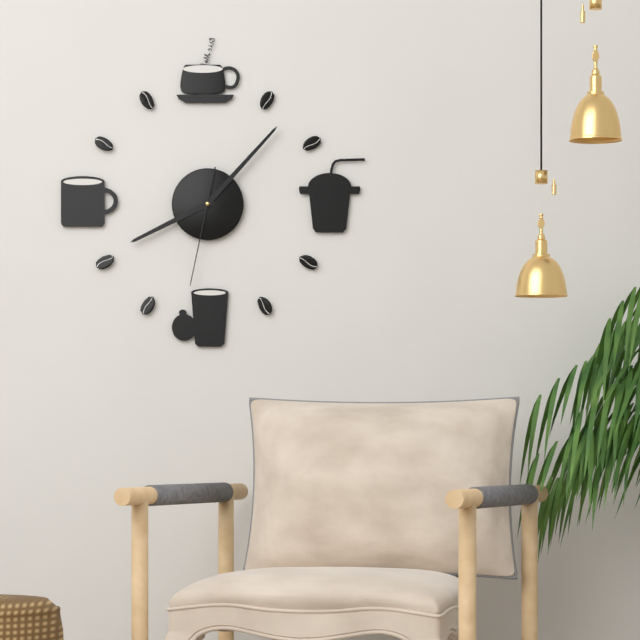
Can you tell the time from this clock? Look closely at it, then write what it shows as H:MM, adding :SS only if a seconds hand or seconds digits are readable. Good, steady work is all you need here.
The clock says 8:07:32
